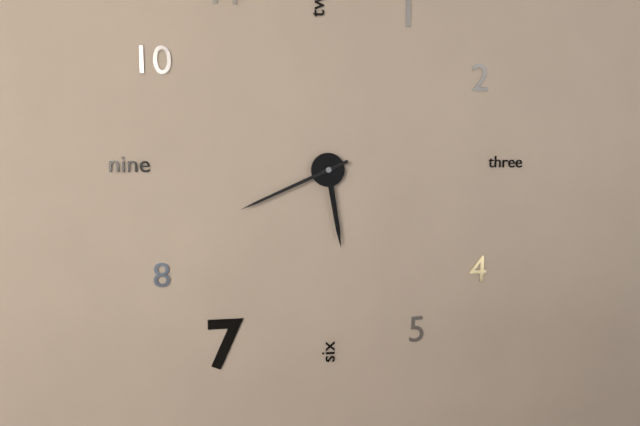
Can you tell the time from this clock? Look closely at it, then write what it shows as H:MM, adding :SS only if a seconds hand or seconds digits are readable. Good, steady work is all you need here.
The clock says 5:41
